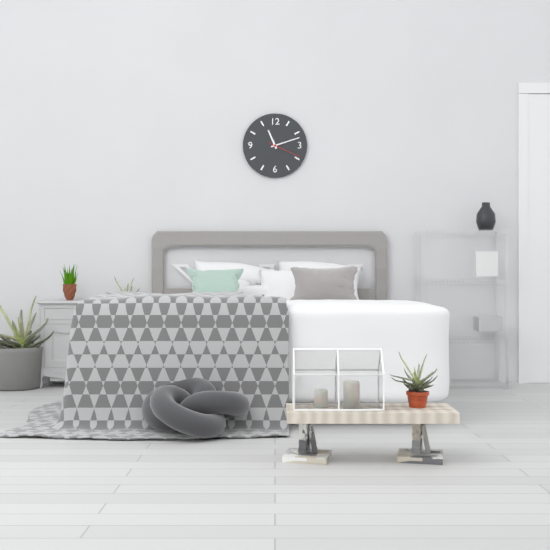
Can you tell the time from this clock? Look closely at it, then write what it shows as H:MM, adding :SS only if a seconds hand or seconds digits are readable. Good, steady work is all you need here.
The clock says 11:12
